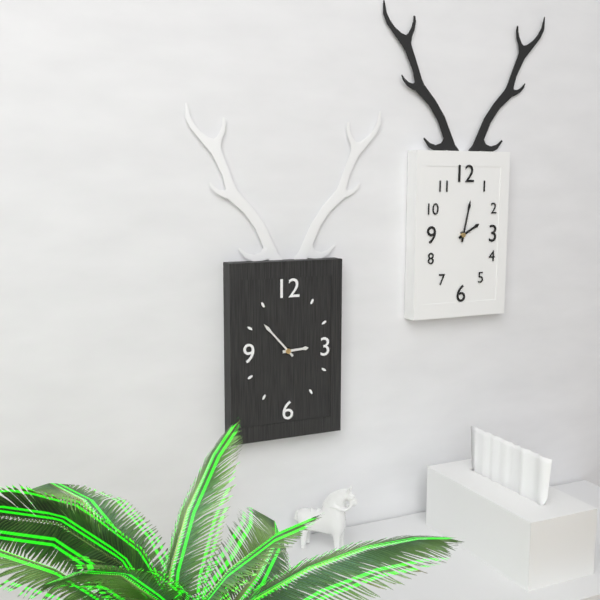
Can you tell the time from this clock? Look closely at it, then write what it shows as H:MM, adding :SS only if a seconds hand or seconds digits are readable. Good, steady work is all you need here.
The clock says 2:53
